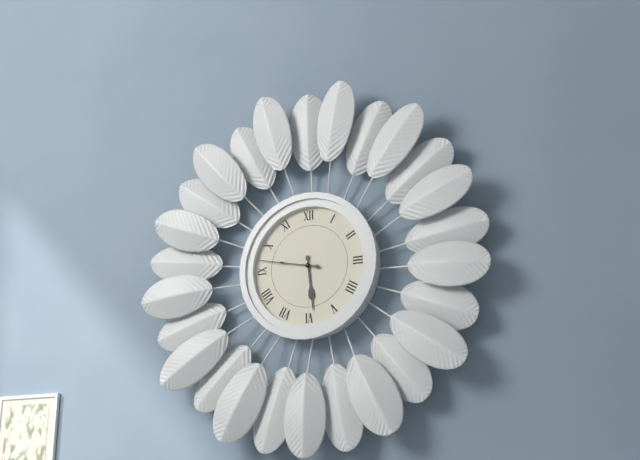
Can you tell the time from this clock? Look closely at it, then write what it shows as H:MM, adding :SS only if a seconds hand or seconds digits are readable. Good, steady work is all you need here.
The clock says 5:47
